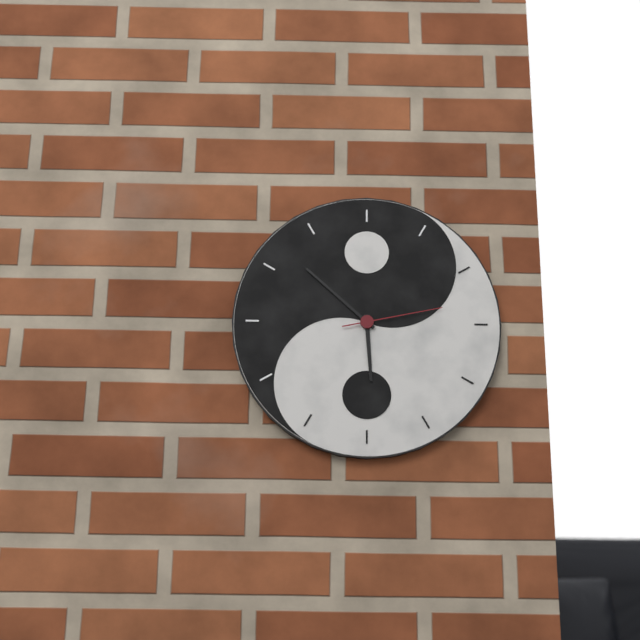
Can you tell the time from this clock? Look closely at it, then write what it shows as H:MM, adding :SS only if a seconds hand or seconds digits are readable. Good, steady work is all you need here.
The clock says 5:52:13
